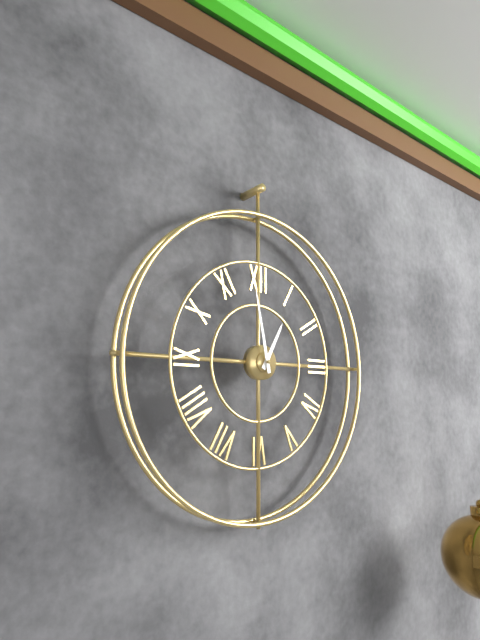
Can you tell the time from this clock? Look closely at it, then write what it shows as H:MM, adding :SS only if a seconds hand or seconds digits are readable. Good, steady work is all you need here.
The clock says 12:58
